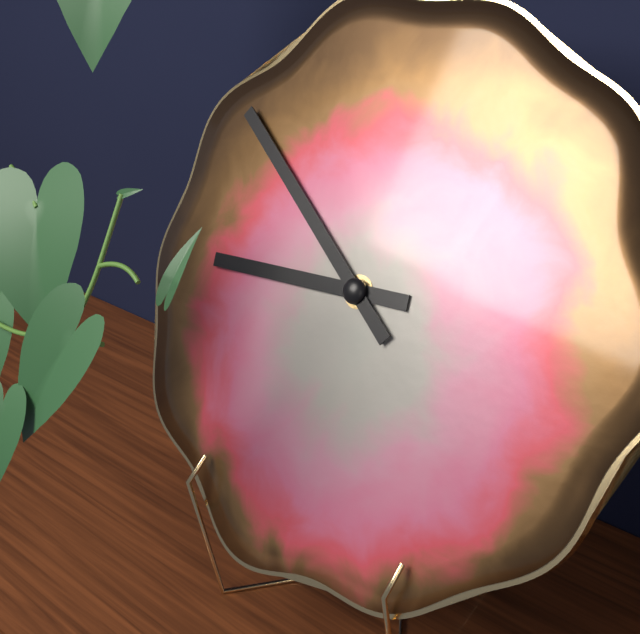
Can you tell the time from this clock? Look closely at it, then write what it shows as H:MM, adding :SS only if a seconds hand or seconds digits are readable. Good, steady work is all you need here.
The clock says 8:51
